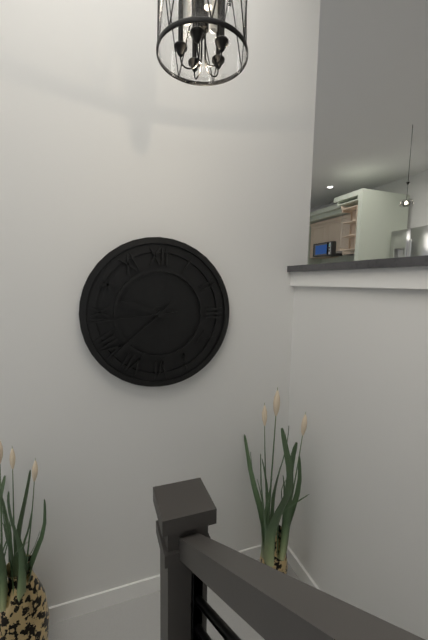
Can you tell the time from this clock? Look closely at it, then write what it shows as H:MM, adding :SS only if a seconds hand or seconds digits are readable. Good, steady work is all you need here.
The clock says 9:38:44
